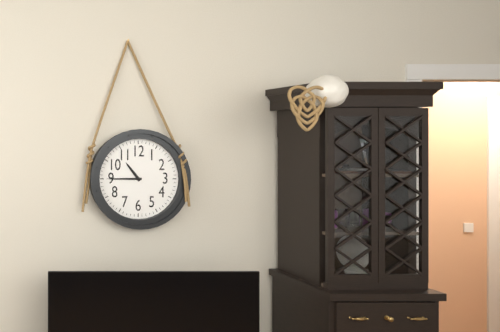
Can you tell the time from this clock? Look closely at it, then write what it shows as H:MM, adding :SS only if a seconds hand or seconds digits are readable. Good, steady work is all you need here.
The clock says 10:45
